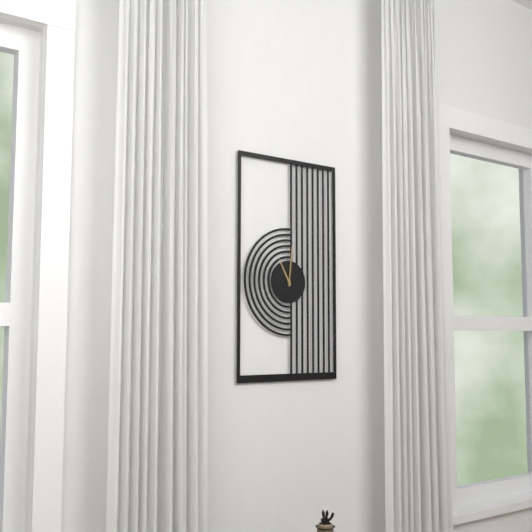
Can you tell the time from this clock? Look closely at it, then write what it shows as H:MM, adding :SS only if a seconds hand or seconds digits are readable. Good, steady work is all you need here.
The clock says 11:01
